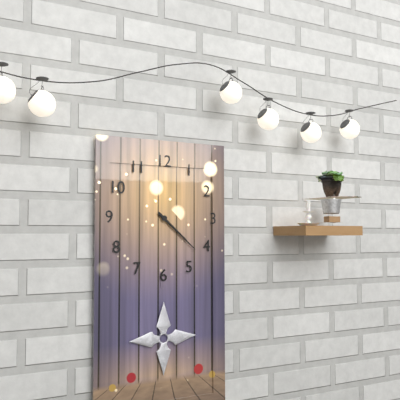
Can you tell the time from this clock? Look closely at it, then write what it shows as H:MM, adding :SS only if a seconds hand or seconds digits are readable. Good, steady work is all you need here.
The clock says 4:22
